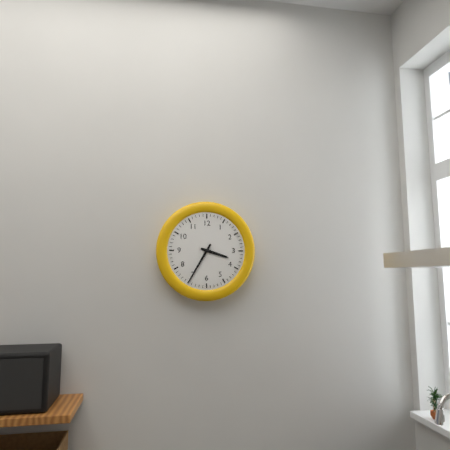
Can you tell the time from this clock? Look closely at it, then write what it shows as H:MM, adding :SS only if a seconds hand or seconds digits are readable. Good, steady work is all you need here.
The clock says 3:35
